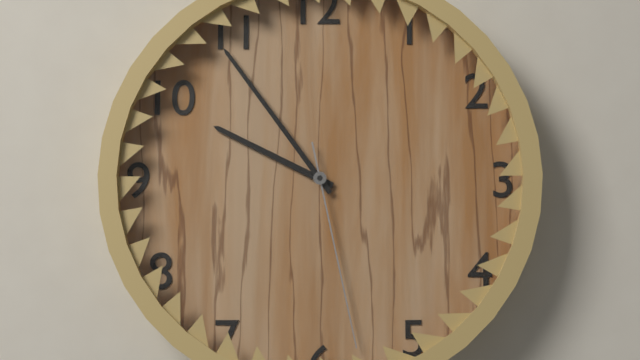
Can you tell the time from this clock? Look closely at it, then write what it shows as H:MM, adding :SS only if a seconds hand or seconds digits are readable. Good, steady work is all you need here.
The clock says 9:54:28
